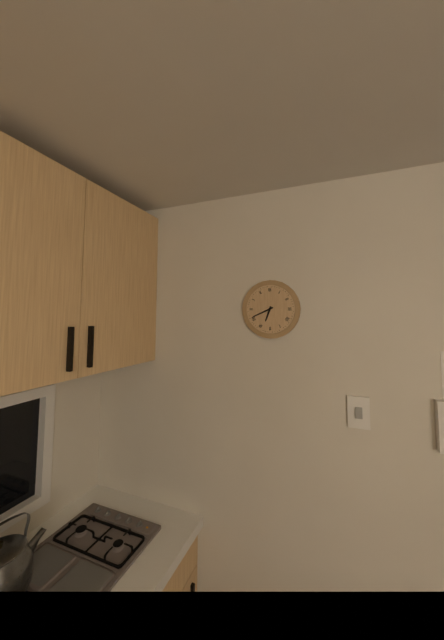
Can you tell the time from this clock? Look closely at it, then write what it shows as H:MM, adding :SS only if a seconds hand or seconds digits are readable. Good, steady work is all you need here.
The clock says 6:41
